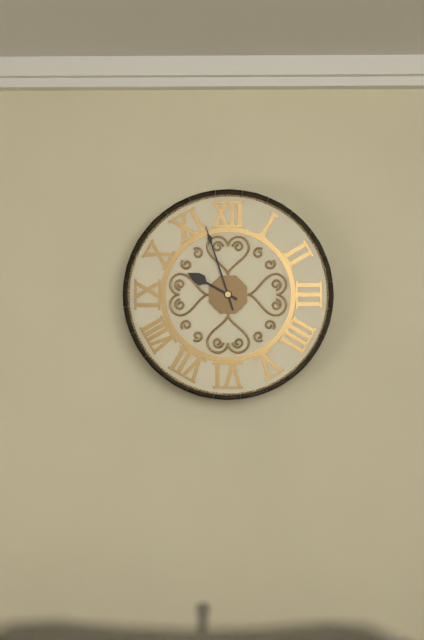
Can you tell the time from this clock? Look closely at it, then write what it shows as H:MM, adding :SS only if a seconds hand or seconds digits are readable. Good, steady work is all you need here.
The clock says 9:57
